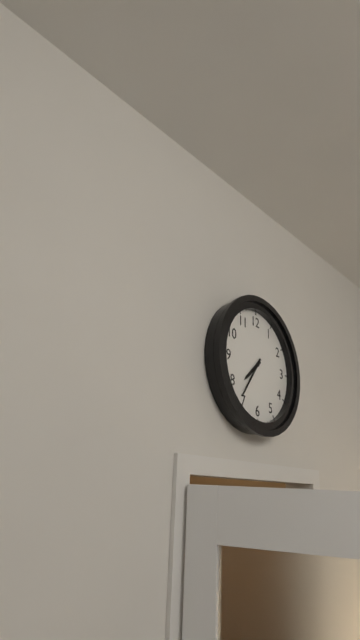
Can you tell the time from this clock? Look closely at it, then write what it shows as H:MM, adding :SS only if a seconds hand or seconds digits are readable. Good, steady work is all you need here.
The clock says 7:36
